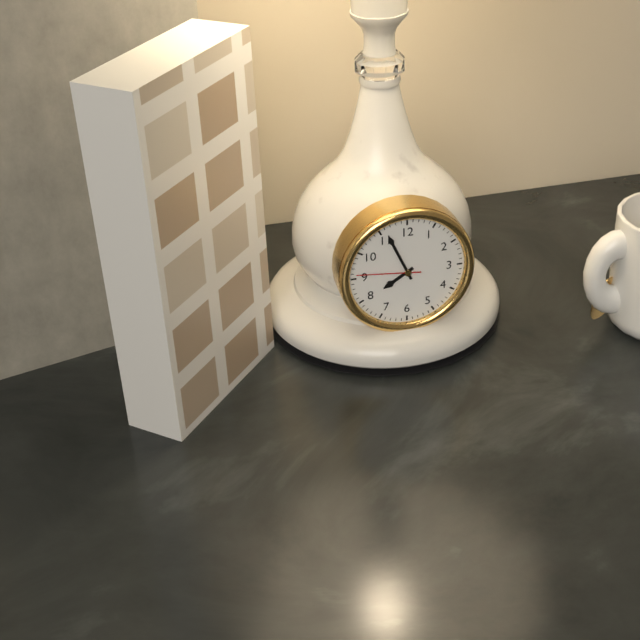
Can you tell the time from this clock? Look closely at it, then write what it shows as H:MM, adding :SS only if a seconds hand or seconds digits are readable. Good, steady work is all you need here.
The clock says 7:56:46
